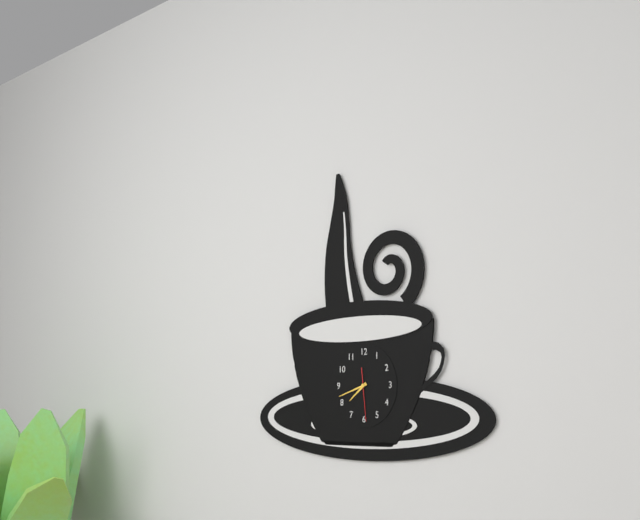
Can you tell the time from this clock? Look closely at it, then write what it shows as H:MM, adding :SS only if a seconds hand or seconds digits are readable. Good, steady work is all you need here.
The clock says 7:42
